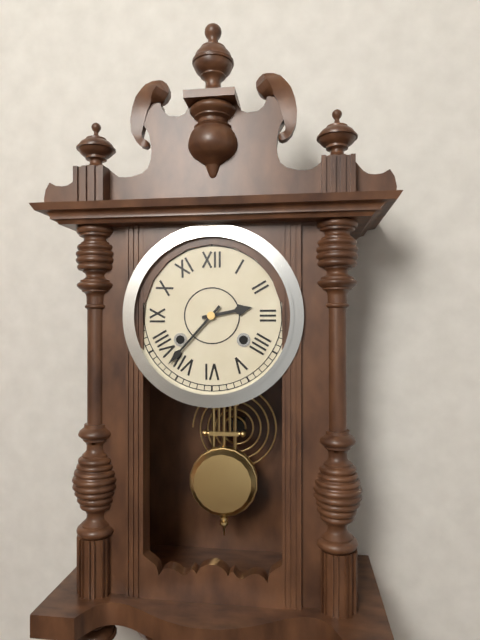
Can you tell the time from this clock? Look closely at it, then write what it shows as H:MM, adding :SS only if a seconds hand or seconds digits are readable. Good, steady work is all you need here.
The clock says 2:37
